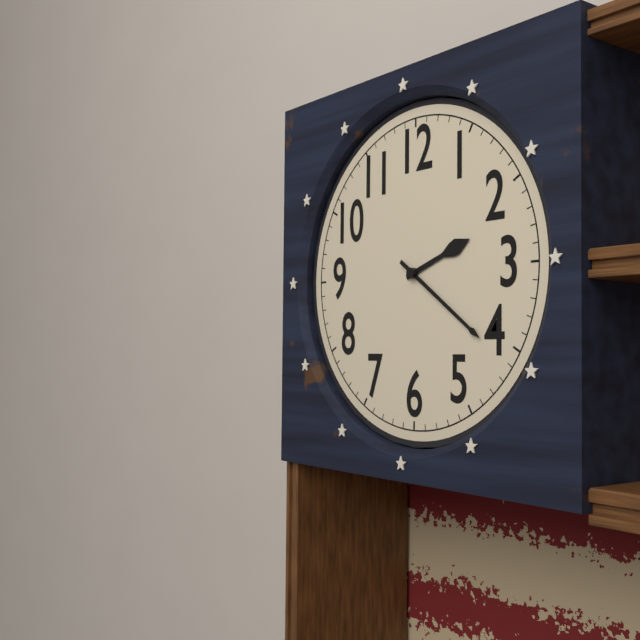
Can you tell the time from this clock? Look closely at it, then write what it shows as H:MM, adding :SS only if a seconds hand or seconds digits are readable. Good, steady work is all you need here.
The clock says 2:21
